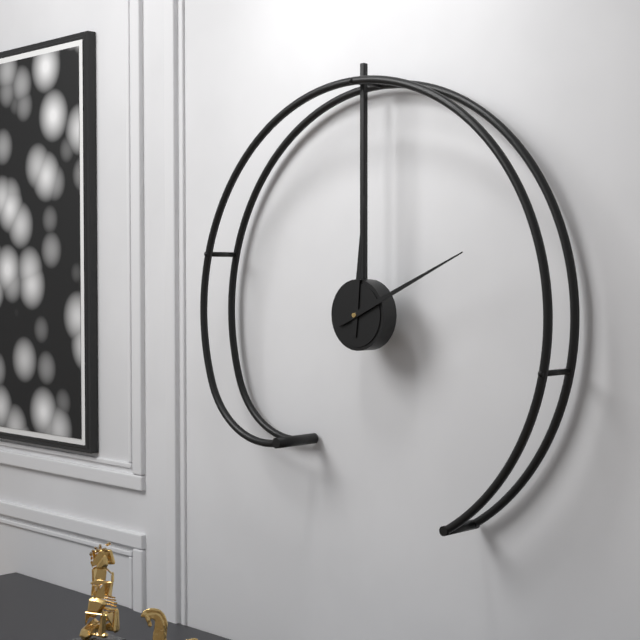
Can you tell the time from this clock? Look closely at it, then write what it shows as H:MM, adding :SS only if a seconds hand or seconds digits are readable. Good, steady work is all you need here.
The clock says 12:11
